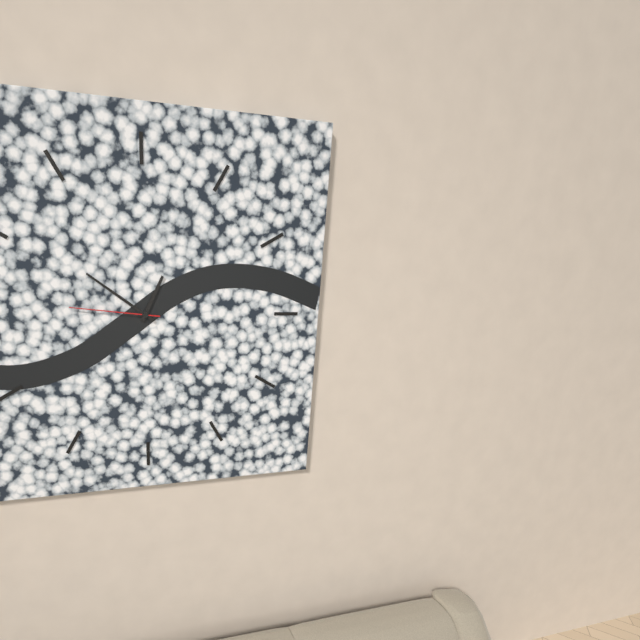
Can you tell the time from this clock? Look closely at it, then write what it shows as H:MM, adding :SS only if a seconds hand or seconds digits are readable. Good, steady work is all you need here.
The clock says 12:51:46
